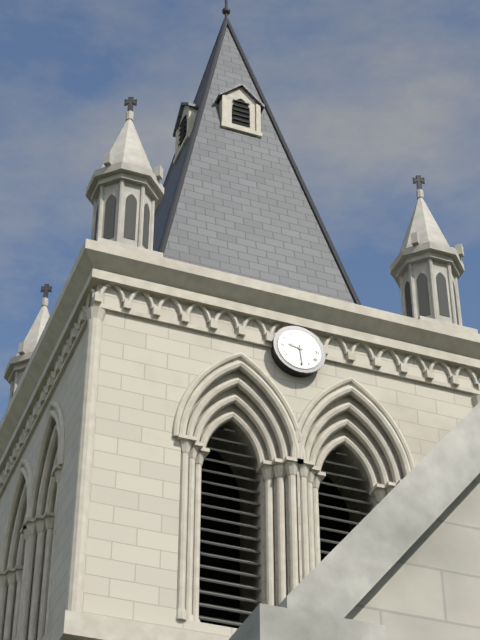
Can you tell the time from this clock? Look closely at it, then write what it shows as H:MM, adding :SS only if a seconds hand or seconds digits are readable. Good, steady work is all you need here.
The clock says 9:29
